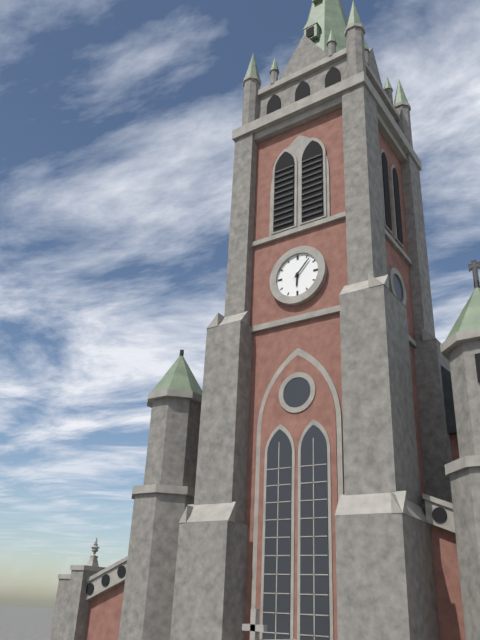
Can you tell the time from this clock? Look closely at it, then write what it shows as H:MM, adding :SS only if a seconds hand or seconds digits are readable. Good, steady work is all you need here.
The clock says 6:07
